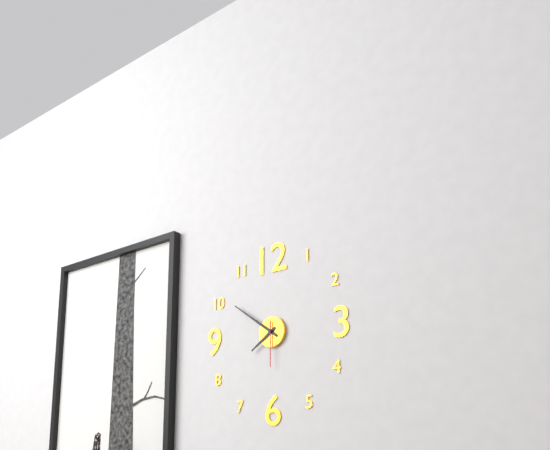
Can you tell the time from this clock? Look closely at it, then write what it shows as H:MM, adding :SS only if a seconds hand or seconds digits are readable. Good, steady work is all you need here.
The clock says 7:51
